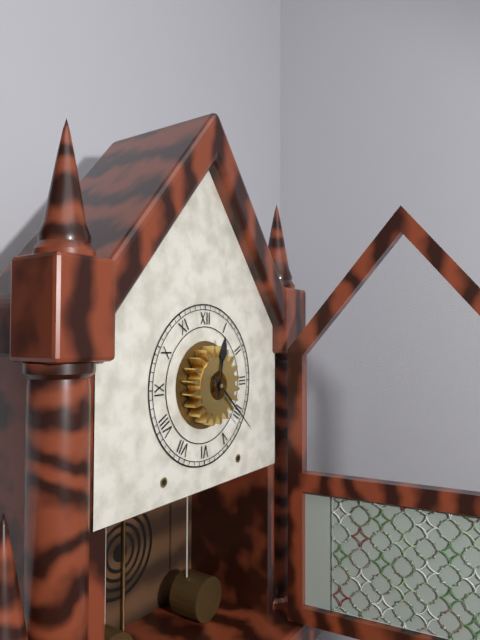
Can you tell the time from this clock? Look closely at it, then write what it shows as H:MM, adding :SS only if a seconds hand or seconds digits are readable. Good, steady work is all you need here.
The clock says 12:22
